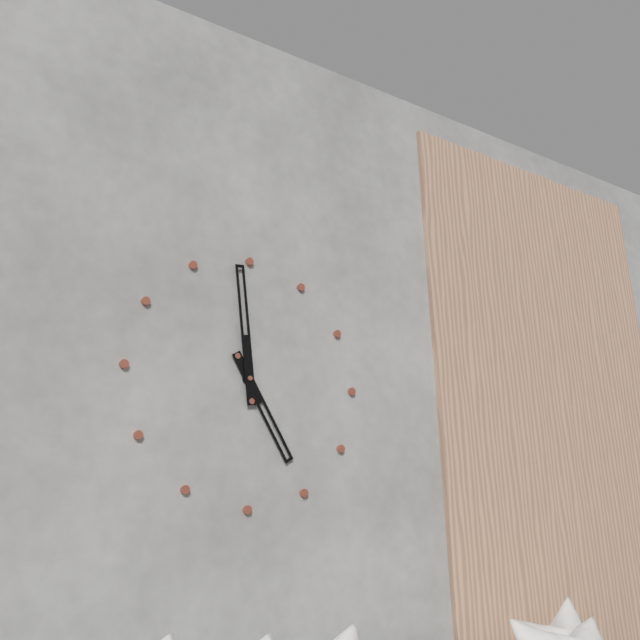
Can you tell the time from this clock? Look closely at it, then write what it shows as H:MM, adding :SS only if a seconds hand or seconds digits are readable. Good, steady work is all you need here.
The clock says 4:59
